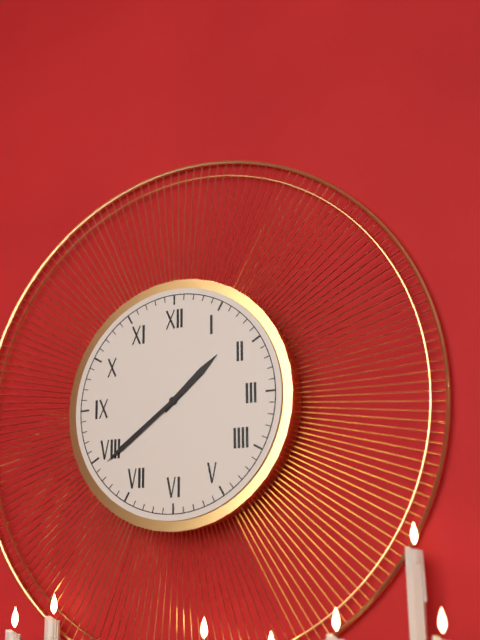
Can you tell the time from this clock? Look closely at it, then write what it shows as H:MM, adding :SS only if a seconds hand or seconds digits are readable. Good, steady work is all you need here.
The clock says 1:39
